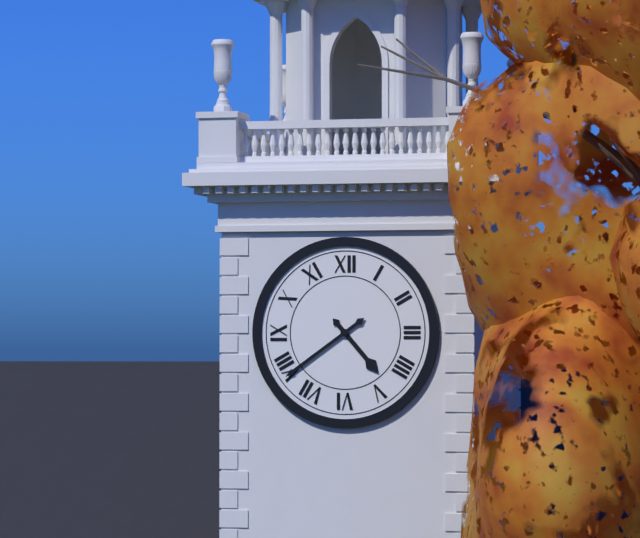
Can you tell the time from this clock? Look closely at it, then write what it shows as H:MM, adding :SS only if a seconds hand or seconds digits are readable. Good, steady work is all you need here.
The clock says 4:39
